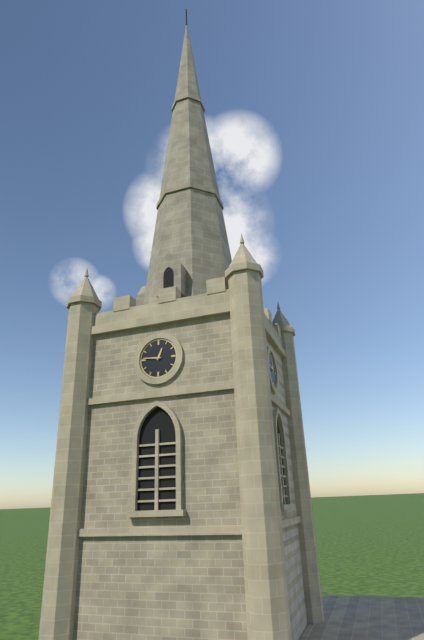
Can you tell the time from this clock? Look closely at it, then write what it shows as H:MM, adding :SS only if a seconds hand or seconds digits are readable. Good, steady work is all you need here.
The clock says 12:46
